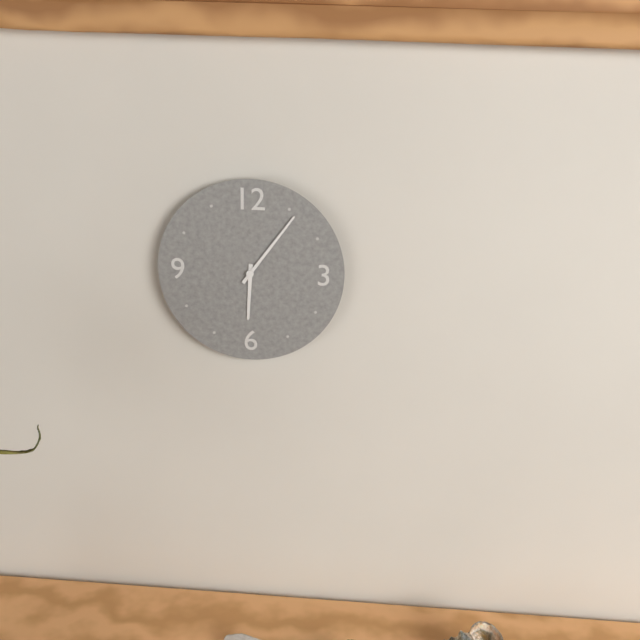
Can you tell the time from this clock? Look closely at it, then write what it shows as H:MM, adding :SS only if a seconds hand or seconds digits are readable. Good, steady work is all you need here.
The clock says 6:06
